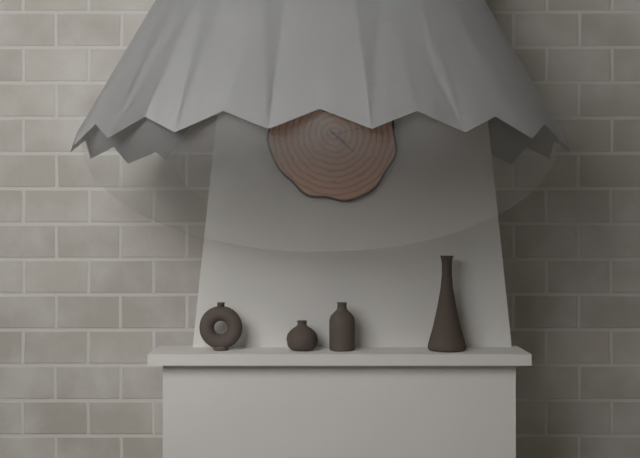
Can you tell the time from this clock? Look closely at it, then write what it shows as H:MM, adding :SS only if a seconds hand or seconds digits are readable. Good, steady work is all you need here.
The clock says 4:22
